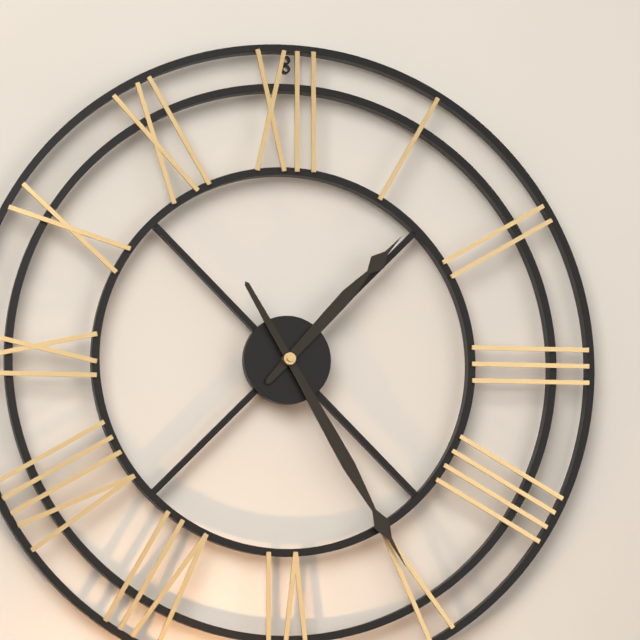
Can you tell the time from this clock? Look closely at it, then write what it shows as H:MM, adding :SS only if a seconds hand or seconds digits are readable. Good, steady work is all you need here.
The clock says 1:25
